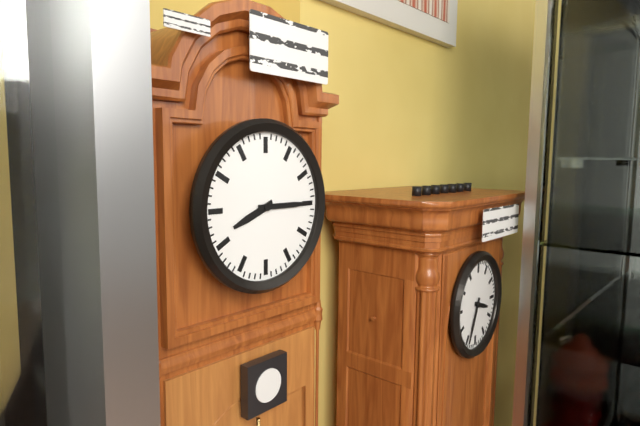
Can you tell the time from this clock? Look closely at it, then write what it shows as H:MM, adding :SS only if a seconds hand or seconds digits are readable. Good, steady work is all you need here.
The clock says 8:15
